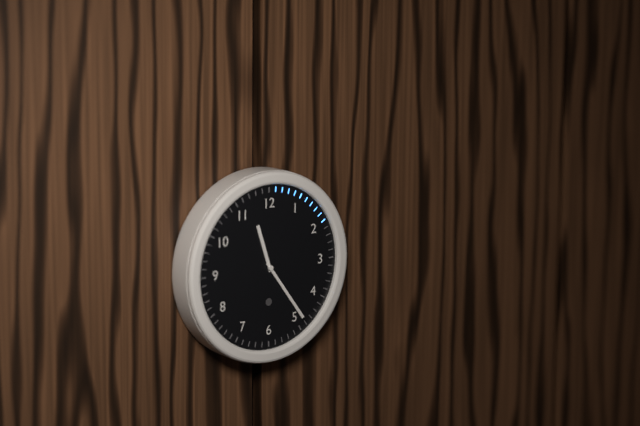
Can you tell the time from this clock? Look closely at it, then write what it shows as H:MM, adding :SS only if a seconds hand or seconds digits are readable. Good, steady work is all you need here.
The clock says 11:24
